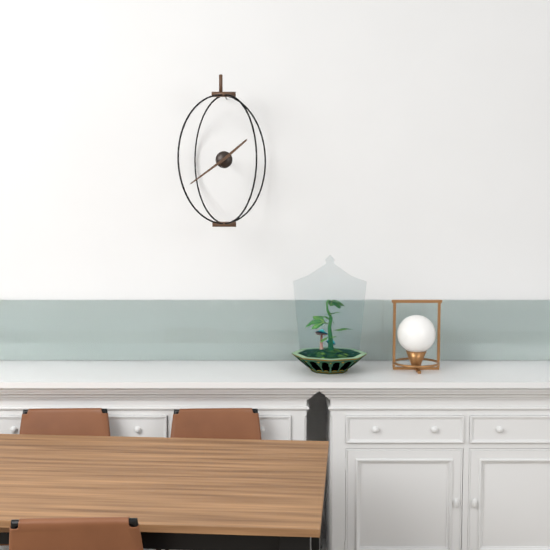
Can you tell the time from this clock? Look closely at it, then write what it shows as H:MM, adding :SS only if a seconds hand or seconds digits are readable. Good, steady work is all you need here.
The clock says 1:39
